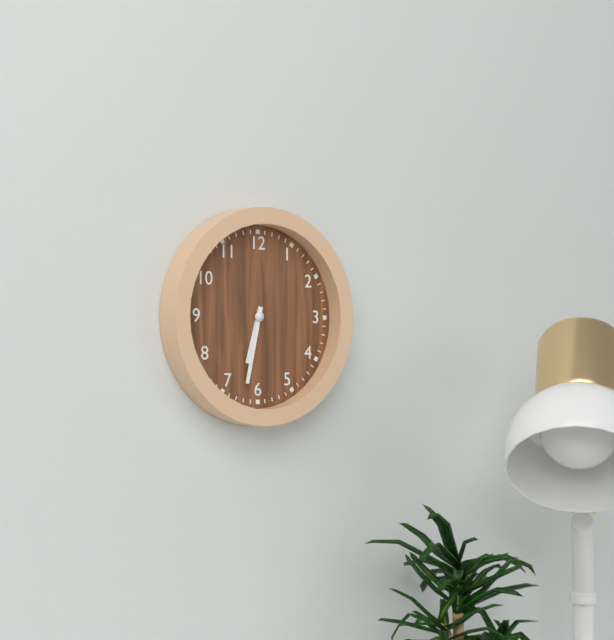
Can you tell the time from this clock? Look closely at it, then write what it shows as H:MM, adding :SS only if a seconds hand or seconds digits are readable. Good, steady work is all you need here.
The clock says 6:32
